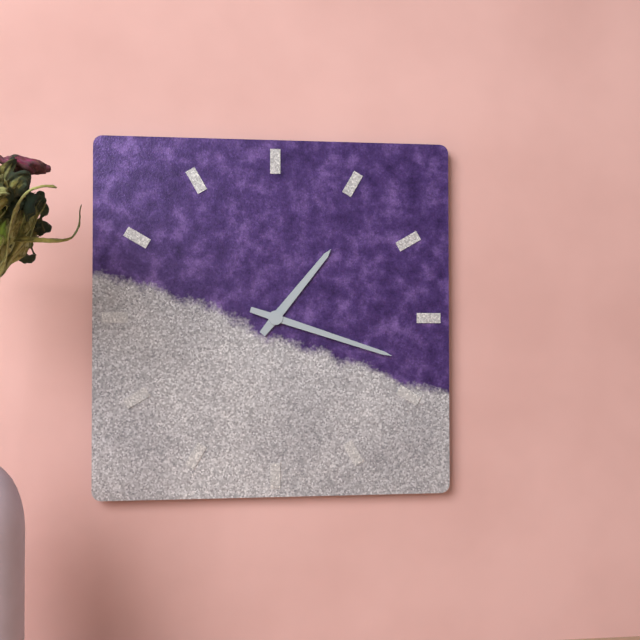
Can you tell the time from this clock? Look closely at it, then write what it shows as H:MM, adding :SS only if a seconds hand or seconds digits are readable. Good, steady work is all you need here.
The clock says 1:18
